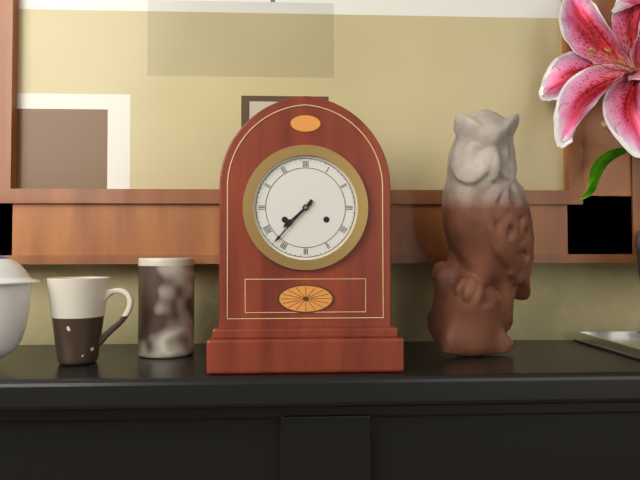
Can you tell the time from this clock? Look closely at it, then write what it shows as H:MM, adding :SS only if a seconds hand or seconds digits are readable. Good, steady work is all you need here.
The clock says 7:37
